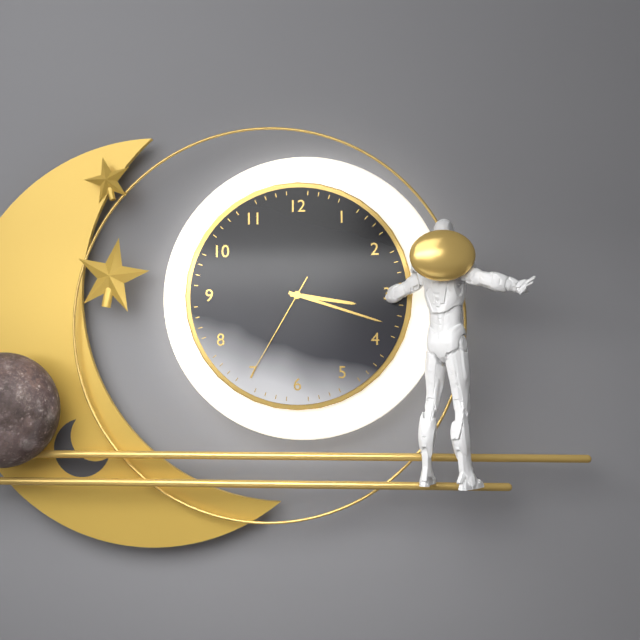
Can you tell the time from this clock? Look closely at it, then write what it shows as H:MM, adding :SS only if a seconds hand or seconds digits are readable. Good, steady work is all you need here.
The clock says 3:18:35
